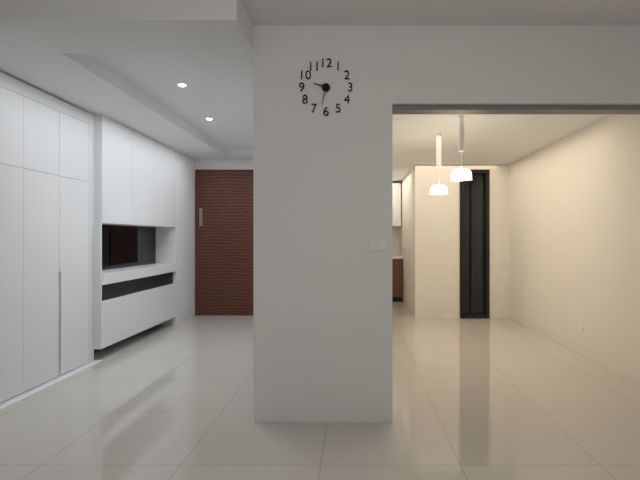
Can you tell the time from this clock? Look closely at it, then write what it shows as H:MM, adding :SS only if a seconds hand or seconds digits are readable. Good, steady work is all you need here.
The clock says 9:32
